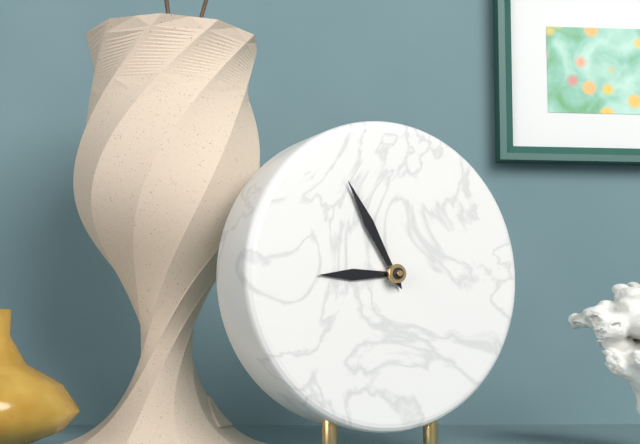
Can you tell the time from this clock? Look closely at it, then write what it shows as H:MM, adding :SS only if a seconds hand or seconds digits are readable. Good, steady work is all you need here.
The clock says 8:55
